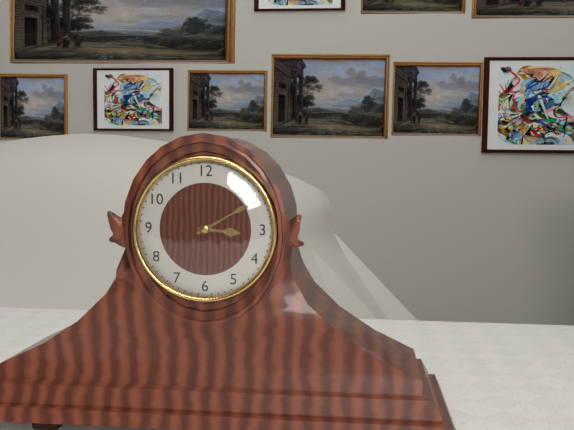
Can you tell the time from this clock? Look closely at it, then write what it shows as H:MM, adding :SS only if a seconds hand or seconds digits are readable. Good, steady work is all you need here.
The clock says 3:10
